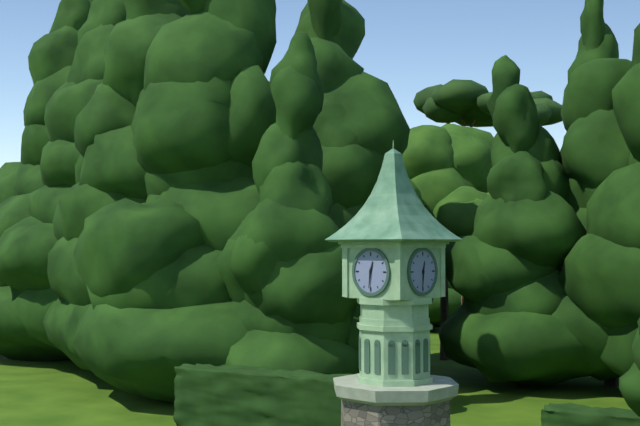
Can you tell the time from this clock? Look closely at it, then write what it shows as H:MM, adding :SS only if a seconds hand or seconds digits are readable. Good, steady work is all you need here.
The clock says 12:31
